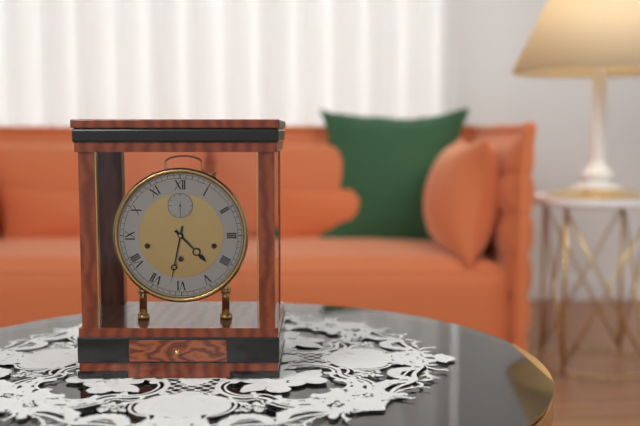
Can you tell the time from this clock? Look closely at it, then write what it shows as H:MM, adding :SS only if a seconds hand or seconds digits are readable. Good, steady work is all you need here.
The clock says 4:32
